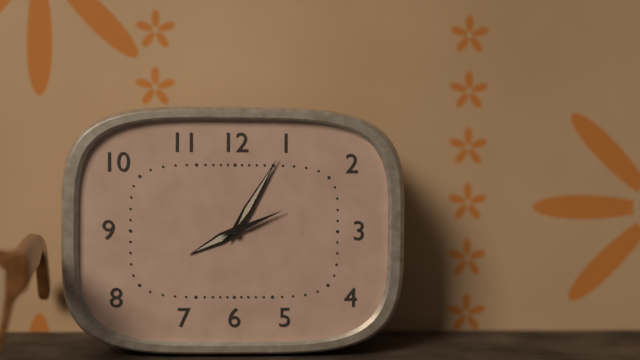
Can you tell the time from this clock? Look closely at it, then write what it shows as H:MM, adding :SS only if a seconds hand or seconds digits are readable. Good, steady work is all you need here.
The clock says 8:05:11
